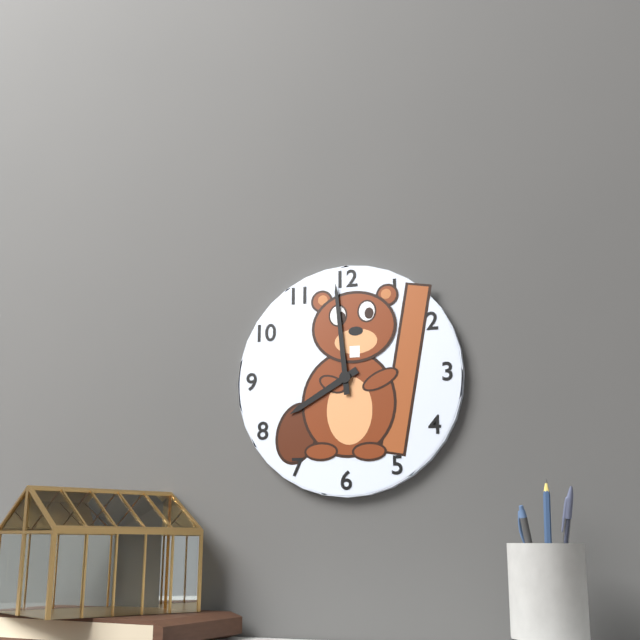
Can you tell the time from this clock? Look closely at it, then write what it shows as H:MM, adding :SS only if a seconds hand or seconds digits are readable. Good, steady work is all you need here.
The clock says 7:59
